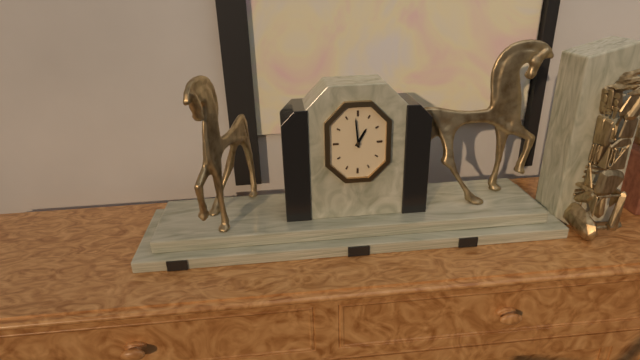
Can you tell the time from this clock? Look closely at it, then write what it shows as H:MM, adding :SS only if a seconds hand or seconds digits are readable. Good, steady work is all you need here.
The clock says 12:59
